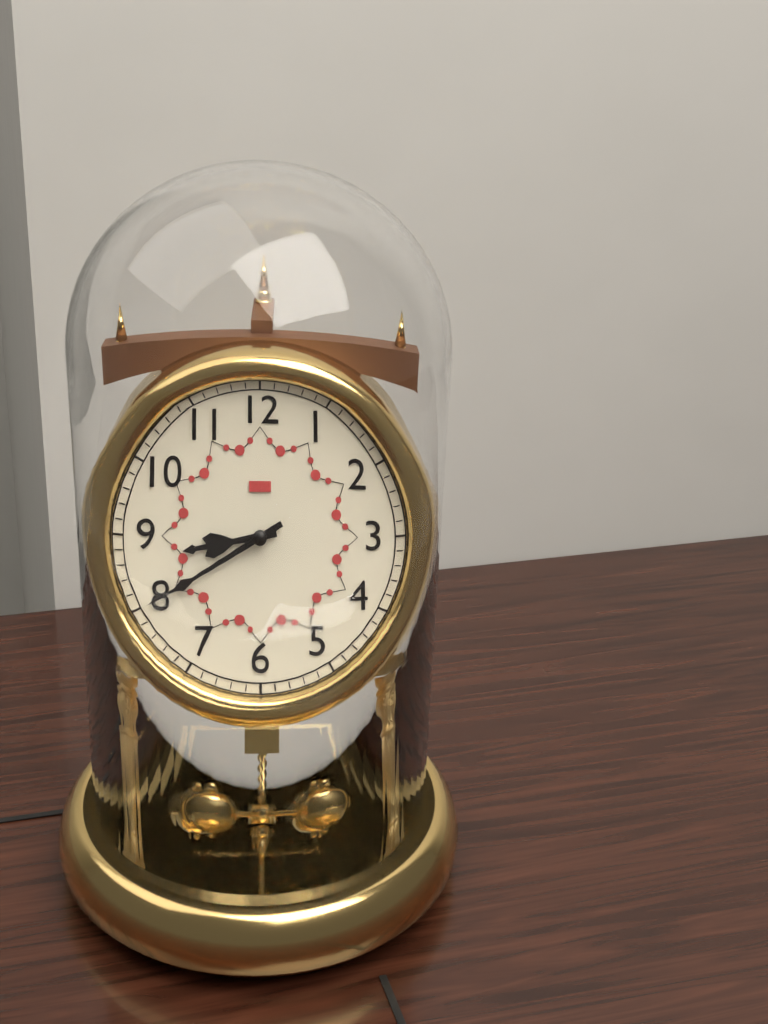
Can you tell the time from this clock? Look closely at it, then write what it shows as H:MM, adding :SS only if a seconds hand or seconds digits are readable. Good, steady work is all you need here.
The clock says 8:40
